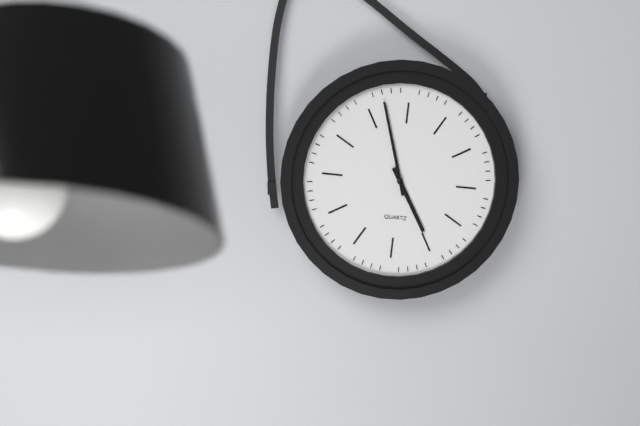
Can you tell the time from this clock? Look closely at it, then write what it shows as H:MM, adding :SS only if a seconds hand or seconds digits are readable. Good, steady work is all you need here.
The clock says 4:57
